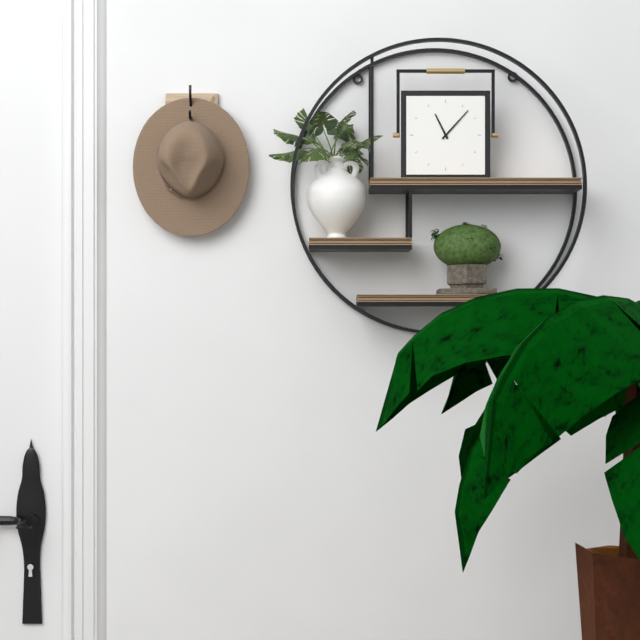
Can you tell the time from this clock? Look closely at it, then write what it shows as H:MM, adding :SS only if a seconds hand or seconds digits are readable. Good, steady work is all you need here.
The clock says 11:07
